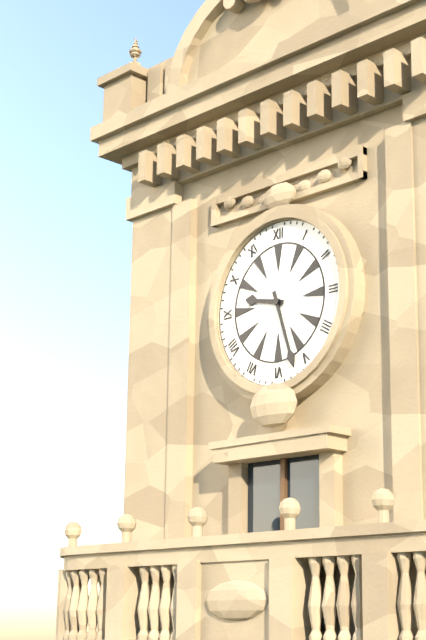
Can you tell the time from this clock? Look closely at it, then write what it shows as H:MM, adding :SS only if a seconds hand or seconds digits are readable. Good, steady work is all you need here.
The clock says 9:27
